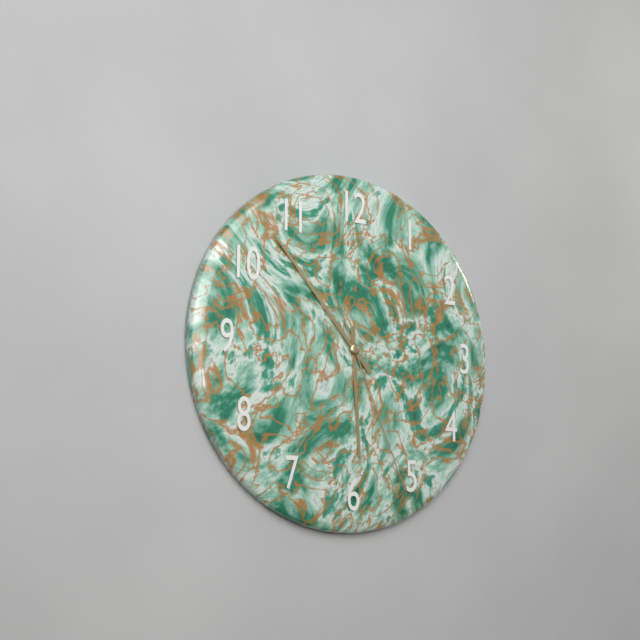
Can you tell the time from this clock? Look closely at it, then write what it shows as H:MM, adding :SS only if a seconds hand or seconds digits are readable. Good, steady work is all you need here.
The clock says 5:53:26
